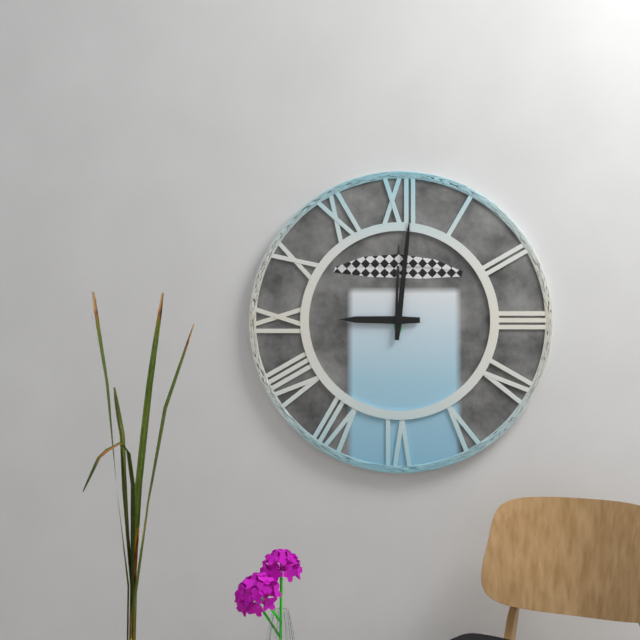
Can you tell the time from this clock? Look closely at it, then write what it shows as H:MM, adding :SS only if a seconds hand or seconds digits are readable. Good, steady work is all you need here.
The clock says 9:01
